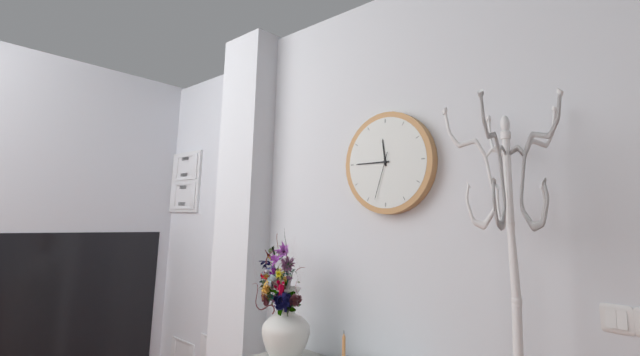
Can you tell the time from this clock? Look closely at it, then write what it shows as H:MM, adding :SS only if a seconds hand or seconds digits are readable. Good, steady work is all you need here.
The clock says 11:45:33
